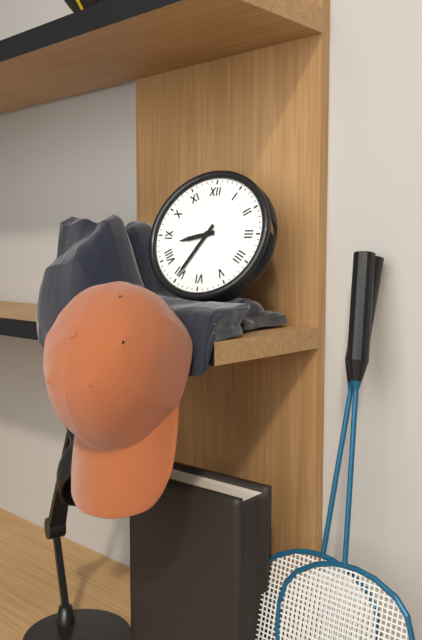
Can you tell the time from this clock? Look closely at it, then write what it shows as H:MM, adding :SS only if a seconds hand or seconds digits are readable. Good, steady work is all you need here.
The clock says 8:35
